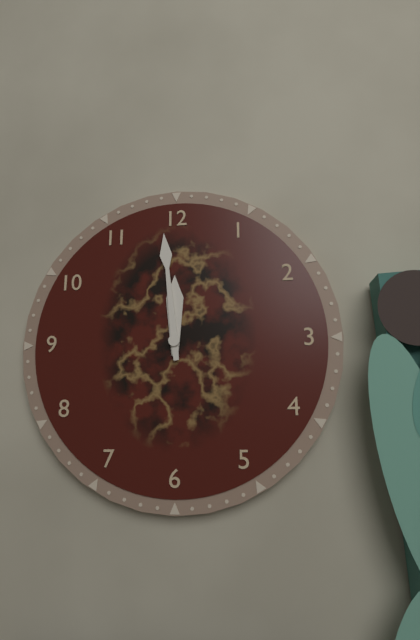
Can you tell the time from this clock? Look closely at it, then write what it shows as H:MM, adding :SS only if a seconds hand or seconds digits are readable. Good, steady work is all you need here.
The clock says 11:59
